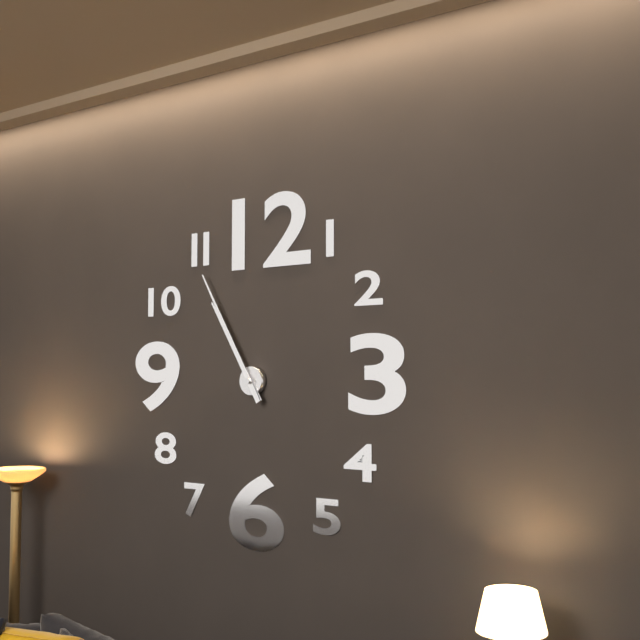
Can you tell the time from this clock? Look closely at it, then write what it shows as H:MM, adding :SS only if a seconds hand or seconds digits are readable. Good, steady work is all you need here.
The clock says 10:55
